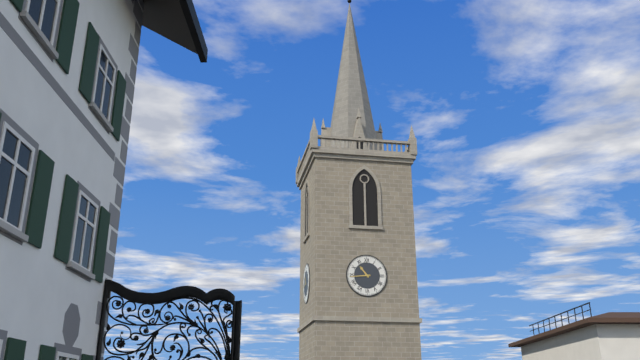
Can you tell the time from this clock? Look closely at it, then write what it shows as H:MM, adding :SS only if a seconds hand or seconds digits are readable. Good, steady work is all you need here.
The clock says 10:44
